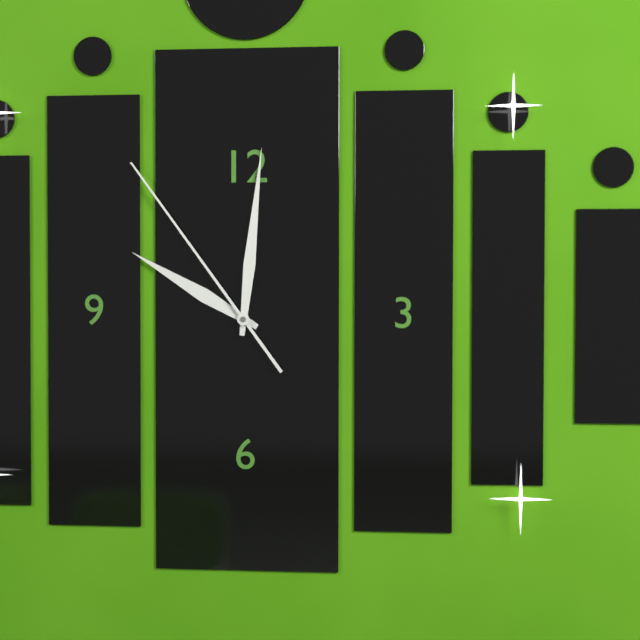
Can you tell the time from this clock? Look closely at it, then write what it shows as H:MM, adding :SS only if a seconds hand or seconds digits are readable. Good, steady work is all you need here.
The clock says 10:01:54
